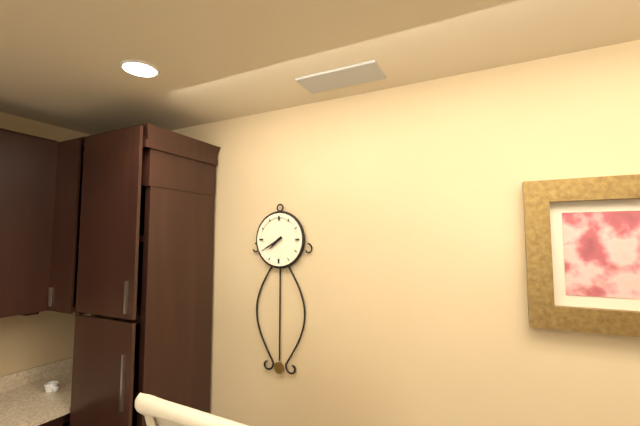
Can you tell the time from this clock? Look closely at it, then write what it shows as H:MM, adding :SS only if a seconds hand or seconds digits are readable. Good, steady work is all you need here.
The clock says 7:40
